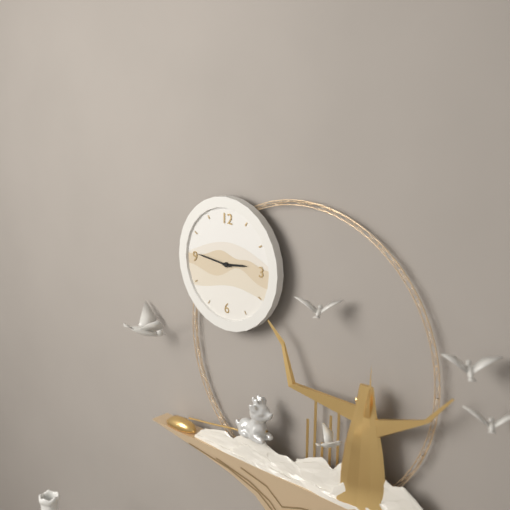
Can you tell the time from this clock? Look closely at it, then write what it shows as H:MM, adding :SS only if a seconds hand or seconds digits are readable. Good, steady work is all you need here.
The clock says 2:46
